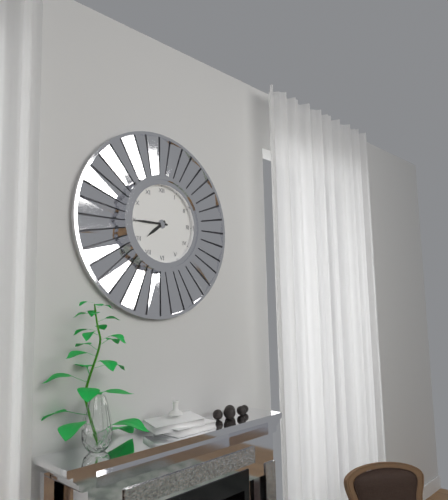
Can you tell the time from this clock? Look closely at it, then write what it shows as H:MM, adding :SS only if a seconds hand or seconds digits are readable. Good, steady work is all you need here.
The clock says 7:45
